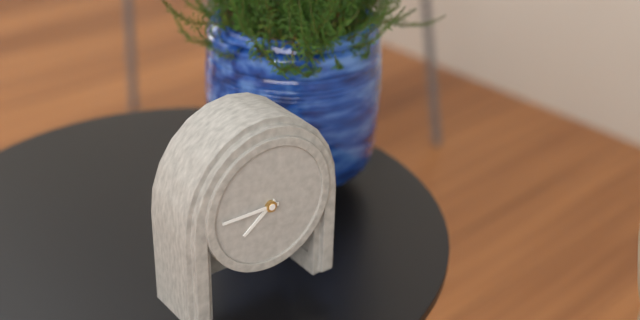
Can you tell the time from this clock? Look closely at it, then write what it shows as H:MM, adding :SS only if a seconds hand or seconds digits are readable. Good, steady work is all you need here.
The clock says 7:45
